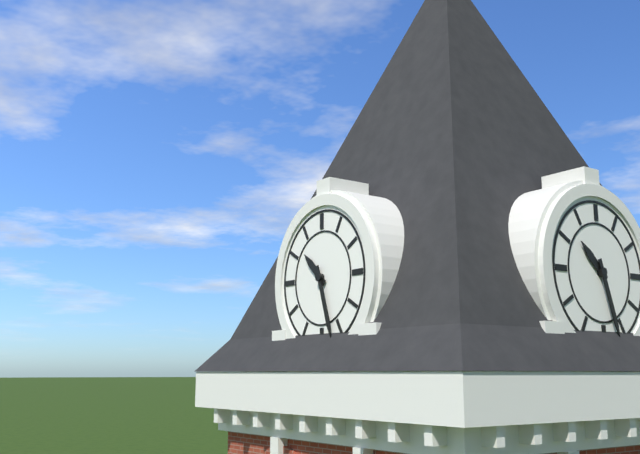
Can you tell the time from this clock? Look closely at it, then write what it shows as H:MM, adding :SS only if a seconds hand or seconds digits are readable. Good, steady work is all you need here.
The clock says 10:27
